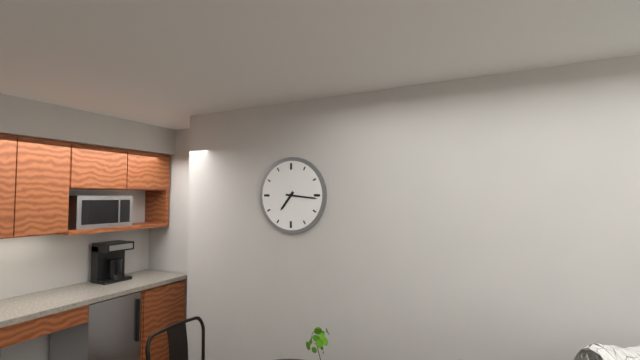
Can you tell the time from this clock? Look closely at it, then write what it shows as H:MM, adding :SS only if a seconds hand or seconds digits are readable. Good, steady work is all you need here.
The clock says 7:16
